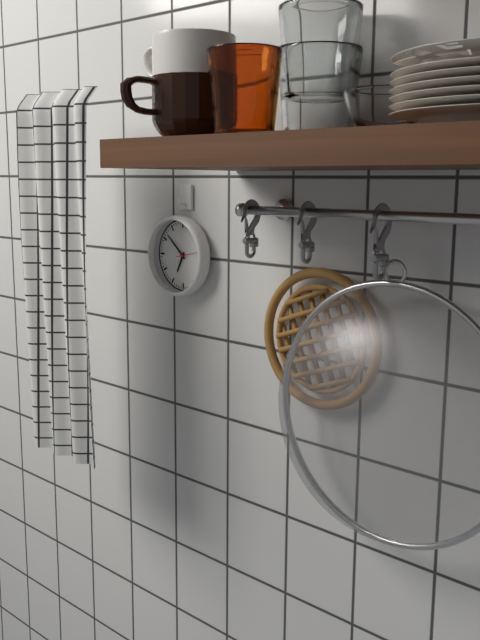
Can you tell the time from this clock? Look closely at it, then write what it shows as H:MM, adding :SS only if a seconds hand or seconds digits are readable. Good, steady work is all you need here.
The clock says 6:52
